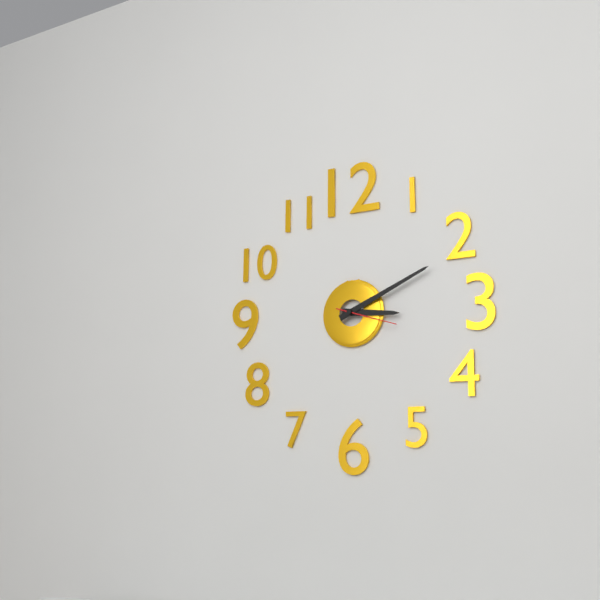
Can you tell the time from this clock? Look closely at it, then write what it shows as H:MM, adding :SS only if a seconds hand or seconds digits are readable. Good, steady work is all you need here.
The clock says 3:11:18
